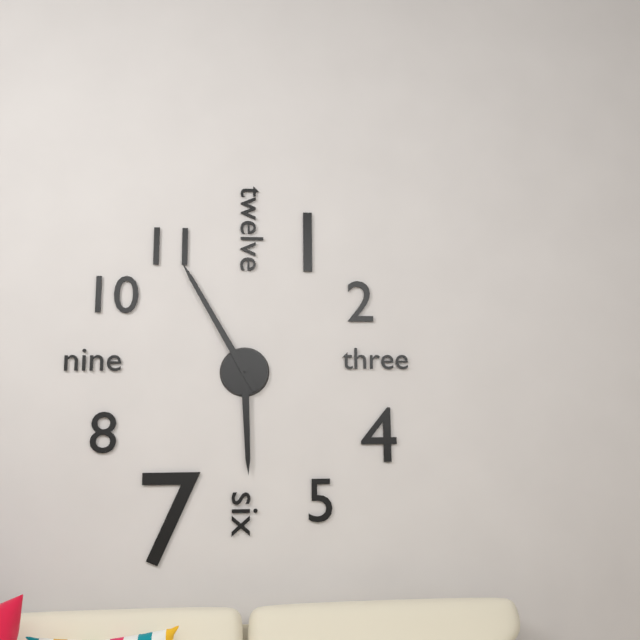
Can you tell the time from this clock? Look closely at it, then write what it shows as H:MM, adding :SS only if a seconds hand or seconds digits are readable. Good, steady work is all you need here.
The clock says 5:55
